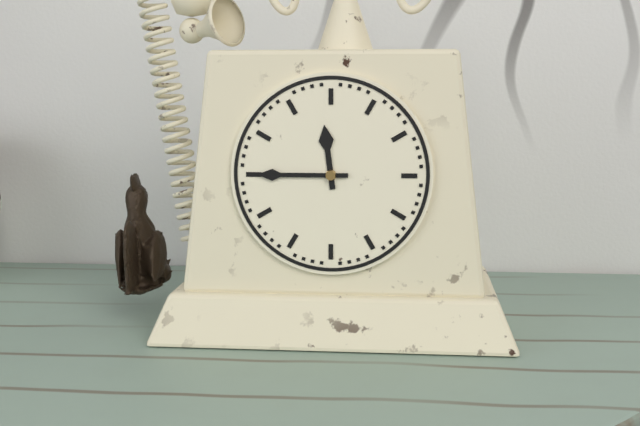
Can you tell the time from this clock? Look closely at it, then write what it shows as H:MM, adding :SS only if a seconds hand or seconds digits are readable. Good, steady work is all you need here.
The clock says 11:45
